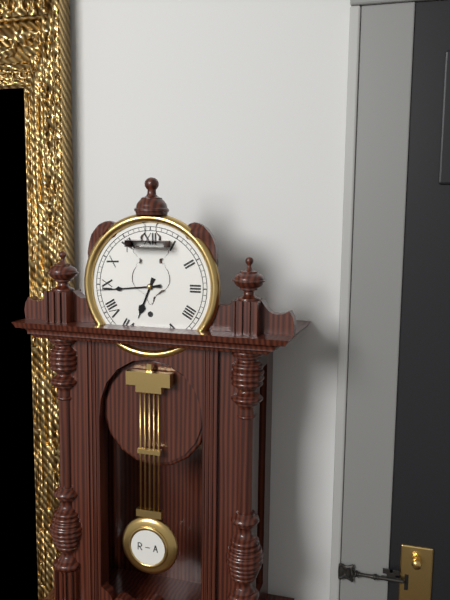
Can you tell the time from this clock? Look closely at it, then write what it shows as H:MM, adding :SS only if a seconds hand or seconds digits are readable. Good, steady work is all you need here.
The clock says 6:44
